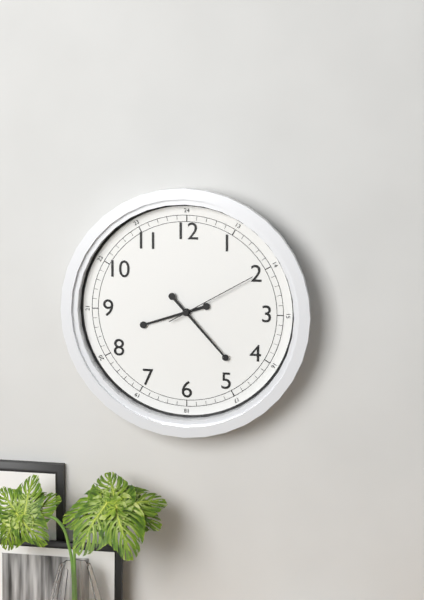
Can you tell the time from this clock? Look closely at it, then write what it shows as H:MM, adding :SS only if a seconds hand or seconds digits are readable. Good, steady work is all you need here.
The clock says 8:23:10
